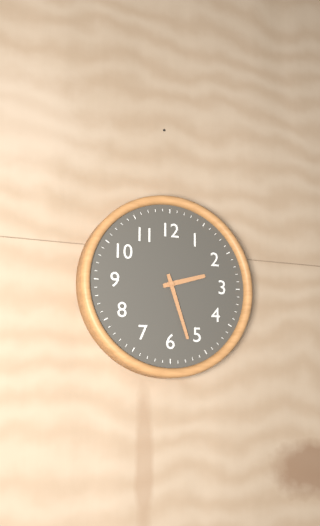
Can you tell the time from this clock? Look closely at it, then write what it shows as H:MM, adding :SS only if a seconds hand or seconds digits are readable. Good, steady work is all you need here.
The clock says 2:27
